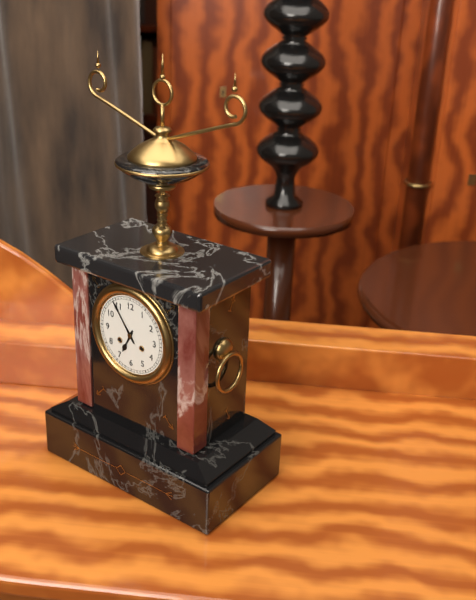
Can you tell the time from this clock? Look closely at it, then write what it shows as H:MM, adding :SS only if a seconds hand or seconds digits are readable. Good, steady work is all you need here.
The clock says 6:54
